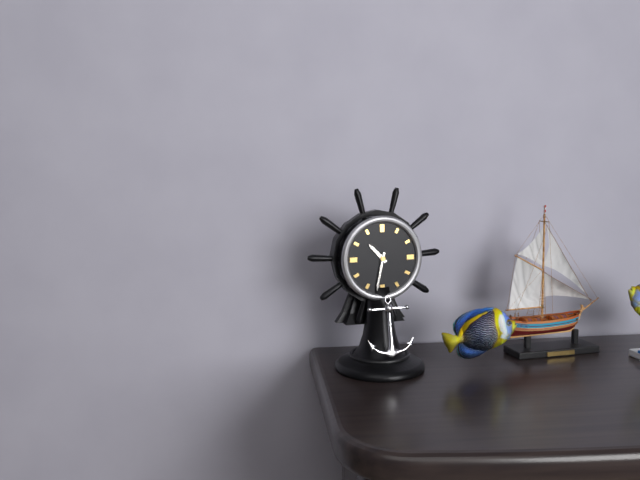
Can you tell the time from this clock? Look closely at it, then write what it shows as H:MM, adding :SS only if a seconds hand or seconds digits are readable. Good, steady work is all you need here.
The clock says 10:32
